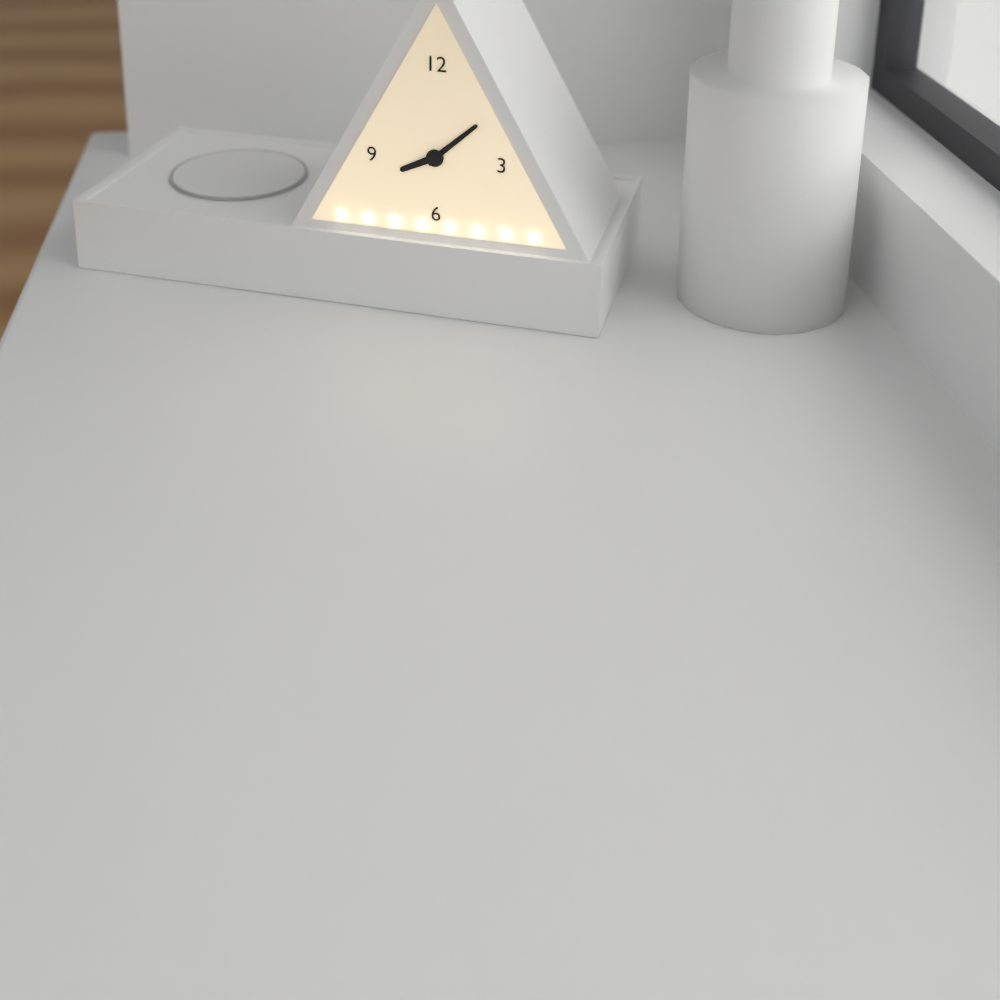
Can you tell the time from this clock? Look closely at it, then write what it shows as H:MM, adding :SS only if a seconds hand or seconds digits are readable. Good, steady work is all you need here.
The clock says 8:08
